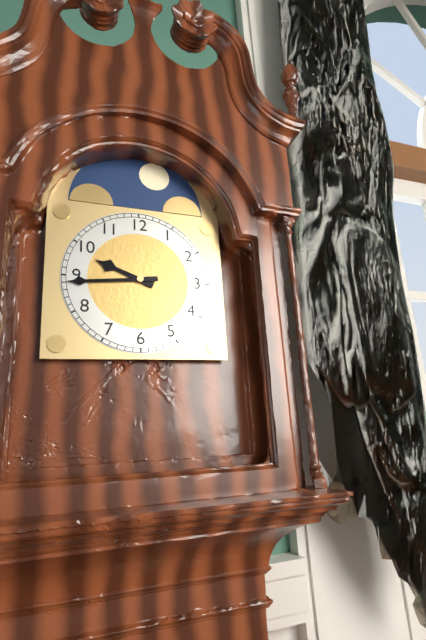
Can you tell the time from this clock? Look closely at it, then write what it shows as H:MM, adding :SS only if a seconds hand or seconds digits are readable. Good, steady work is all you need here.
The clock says 9:44
